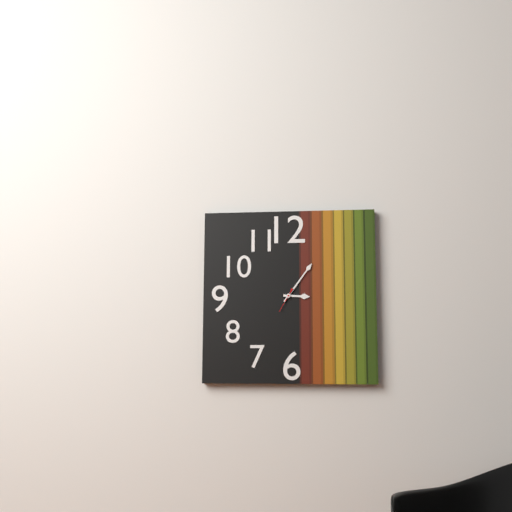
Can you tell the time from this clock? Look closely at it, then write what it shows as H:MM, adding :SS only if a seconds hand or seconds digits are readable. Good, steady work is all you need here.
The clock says 3:06
